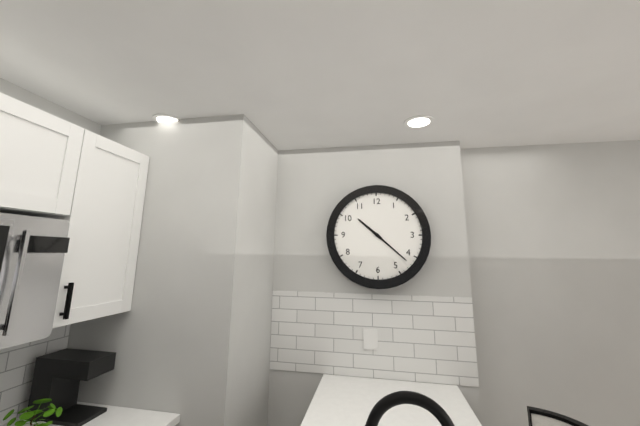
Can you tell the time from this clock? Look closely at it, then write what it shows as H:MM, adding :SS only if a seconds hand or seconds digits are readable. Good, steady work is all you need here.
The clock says 10:22
